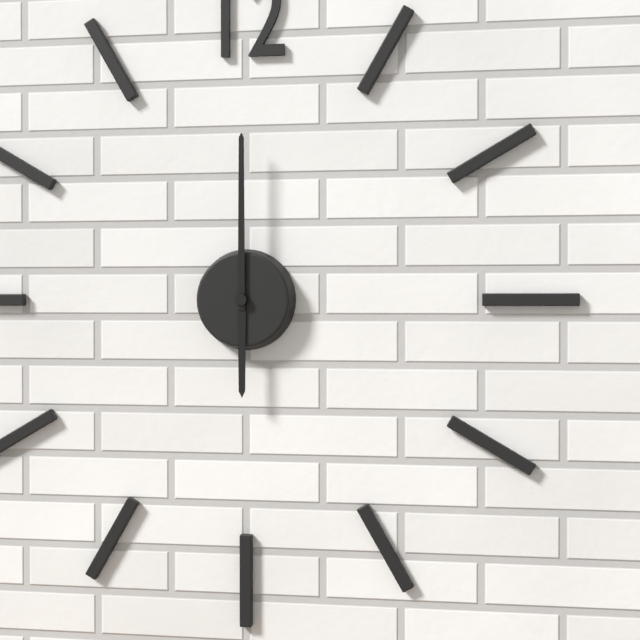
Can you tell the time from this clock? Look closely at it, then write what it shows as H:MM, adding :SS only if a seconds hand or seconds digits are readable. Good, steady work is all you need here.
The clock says 6:00
